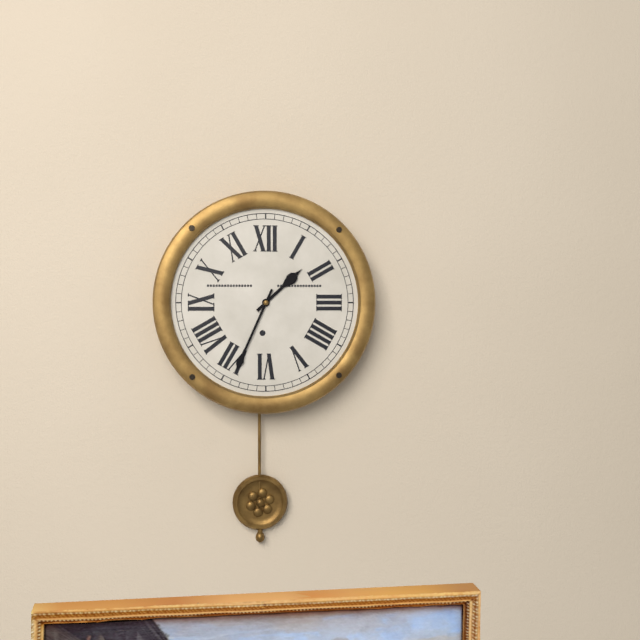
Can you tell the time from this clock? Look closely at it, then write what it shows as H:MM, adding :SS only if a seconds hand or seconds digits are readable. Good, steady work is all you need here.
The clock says 1:34
